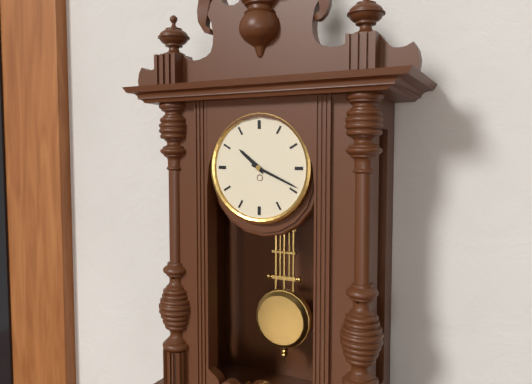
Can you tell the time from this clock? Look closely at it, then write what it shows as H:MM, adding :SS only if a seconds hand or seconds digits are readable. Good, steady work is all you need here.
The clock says 10:19
